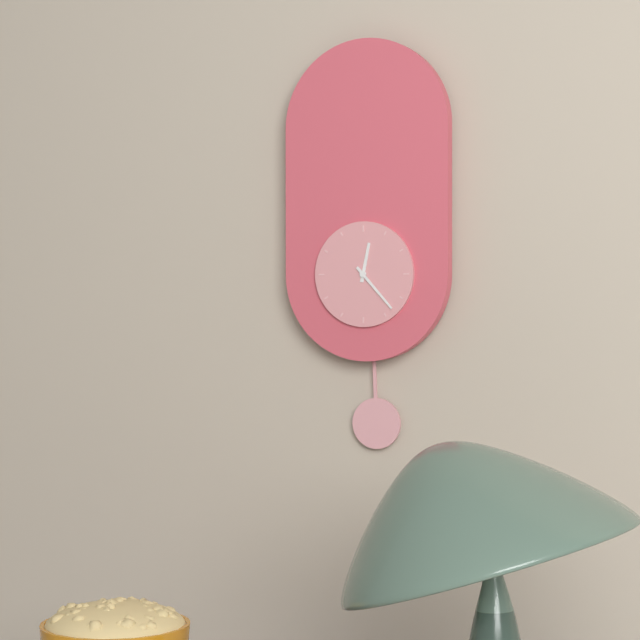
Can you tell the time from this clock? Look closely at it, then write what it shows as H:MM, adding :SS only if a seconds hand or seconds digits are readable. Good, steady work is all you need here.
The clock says 12:23
